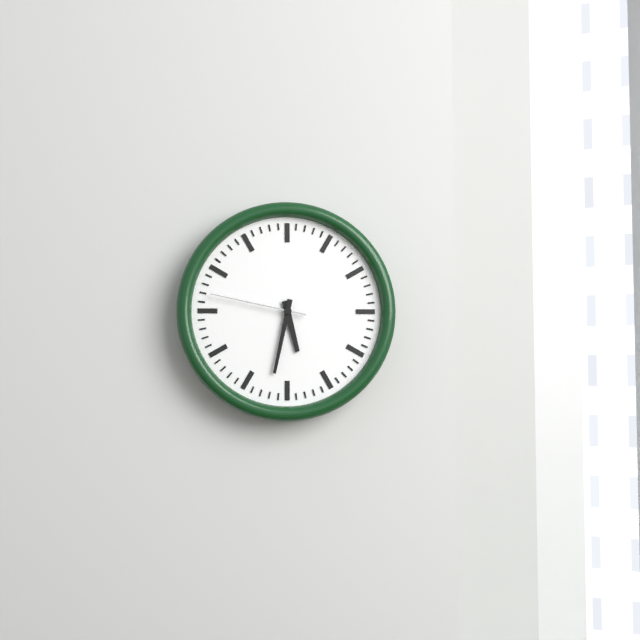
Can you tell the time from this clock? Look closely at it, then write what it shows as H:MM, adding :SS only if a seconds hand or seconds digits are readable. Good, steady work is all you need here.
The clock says 5:32:47
